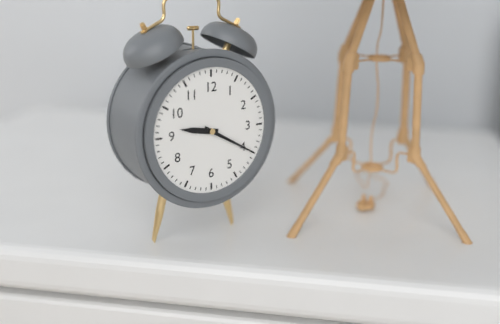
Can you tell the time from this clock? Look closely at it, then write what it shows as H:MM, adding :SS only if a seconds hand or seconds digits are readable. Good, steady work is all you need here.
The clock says 9:20
